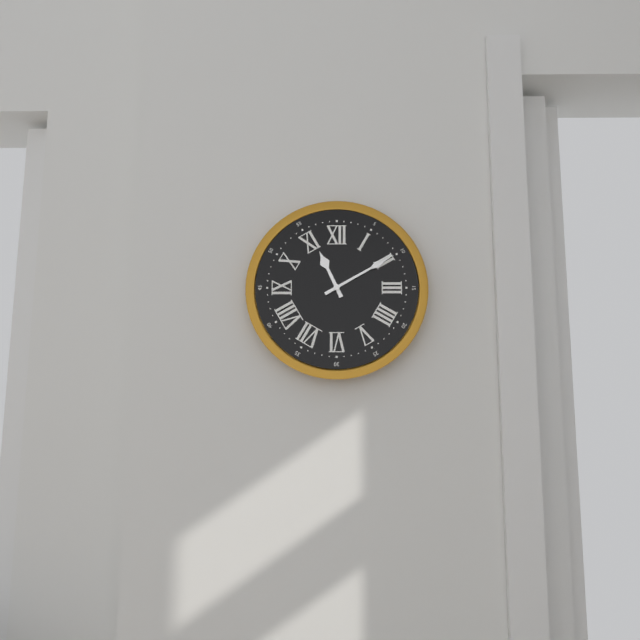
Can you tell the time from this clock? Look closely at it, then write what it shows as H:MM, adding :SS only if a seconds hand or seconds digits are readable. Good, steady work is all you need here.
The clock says 11:10
